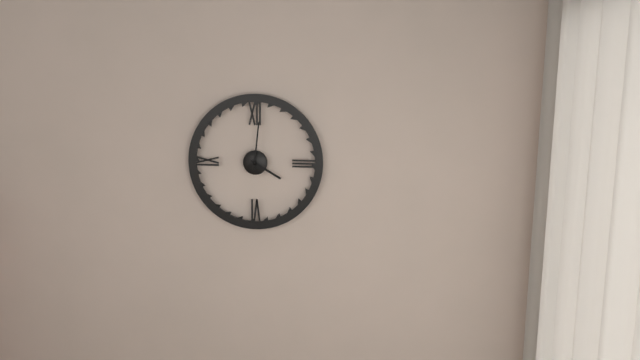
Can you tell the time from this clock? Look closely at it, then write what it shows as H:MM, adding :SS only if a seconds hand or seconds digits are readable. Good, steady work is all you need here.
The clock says 4:01
